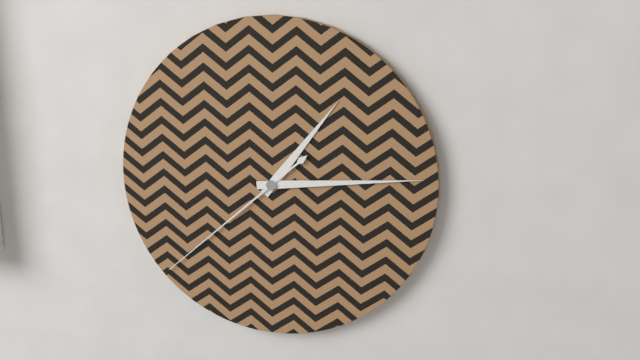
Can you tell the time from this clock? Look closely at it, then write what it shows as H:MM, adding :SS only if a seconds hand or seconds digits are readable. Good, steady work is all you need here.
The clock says 1:14:38
